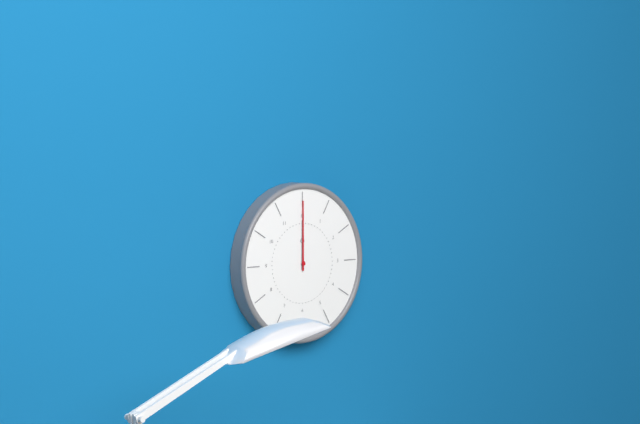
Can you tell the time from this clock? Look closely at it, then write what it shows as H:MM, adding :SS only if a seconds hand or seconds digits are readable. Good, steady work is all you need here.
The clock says 12:00
